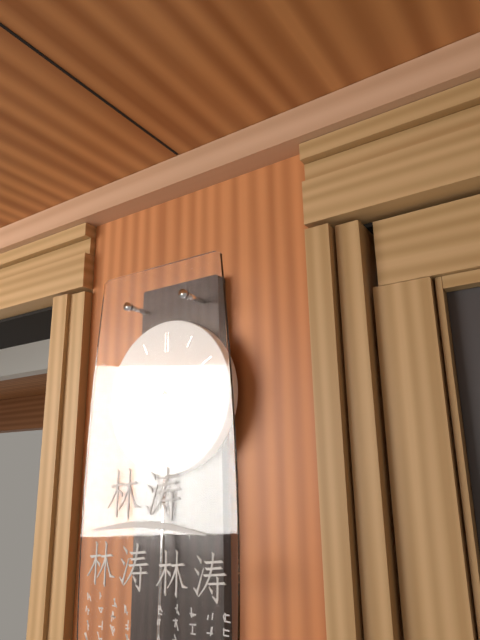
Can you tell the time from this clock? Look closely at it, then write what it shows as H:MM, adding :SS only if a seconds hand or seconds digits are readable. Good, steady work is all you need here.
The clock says 3:21
